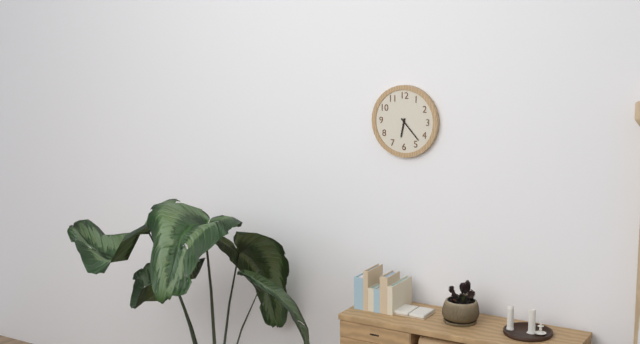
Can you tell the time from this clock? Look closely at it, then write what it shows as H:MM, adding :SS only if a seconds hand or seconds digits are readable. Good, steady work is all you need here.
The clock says 6:23
